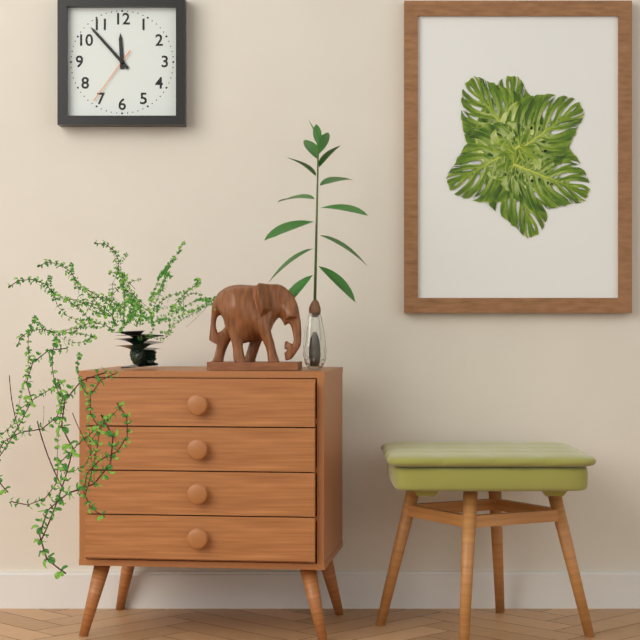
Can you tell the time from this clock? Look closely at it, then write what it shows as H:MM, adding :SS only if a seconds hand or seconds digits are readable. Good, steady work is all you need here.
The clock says 11:53:36
